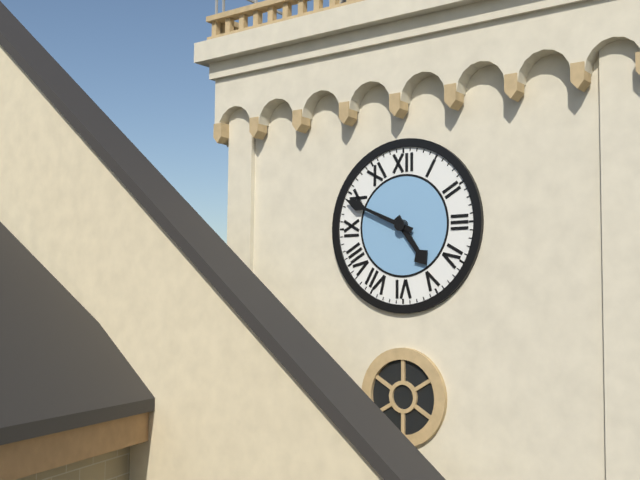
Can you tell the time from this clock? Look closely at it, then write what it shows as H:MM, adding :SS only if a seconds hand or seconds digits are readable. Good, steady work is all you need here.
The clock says 4:49
